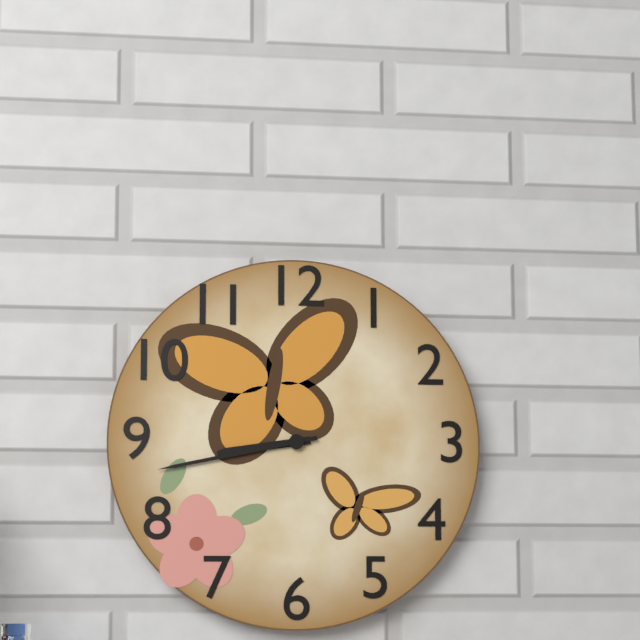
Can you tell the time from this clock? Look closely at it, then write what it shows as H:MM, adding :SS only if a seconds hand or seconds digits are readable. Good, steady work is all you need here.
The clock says 8:43
